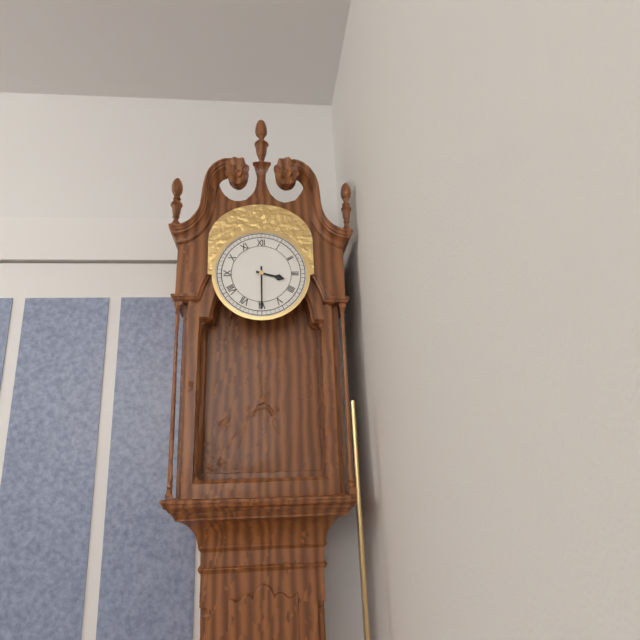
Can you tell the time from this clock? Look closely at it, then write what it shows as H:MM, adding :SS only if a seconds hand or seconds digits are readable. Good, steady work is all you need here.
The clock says 3:30
